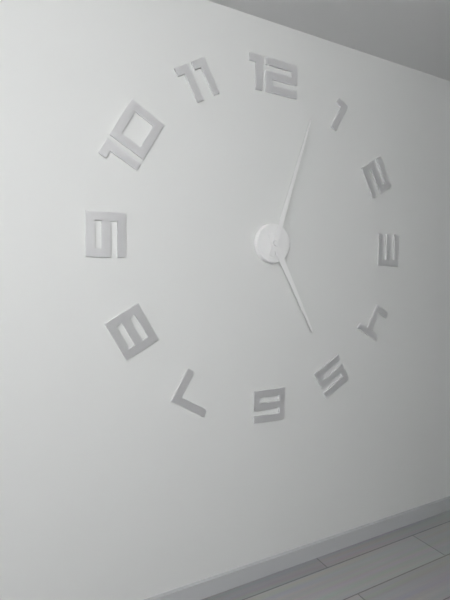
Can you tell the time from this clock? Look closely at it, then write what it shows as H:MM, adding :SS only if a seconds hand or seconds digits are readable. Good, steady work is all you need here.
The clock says 5:03
